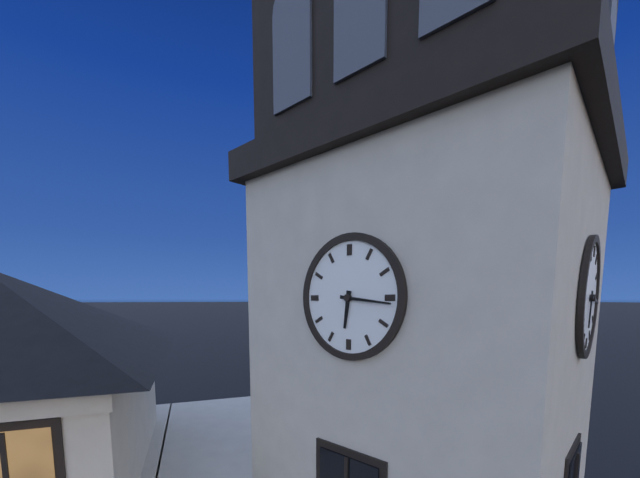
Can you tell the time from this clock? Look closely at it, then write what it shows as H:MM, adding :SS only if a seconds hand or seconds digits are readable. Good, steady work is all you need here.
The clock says 6:16
